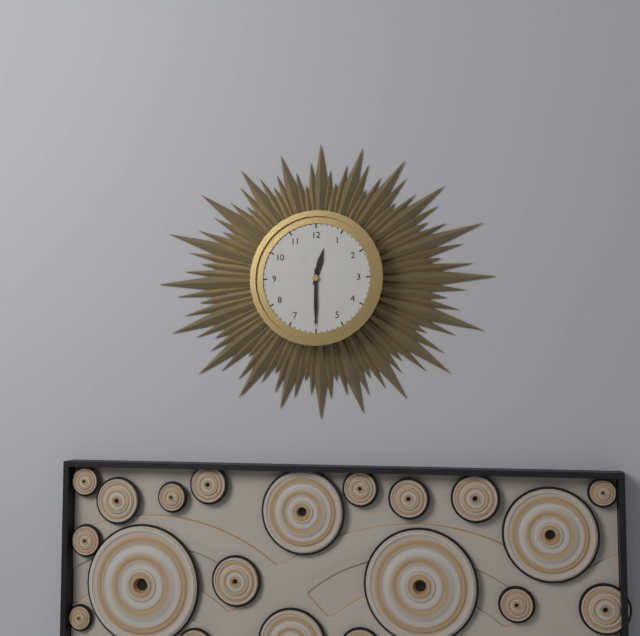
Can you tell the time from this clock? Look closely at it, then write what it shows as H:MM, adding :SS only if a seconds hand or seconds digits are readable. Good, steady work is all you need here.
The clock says 12:30
